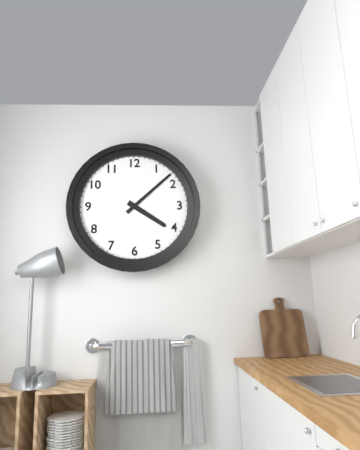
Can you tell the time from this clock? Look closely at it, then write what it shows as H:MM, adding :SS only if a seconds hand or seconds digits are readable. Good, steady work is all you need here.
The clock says 4:08
